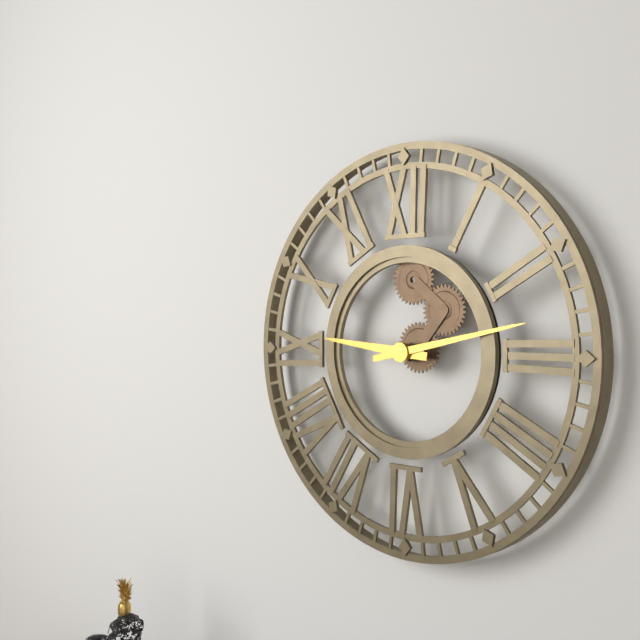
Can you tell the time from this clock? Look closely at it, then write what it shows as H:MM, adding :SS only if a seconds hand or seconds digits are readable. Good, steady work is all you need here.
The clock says 9:13
